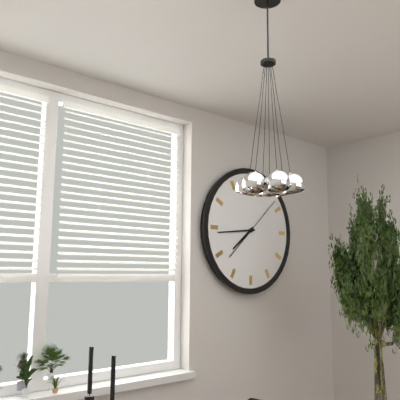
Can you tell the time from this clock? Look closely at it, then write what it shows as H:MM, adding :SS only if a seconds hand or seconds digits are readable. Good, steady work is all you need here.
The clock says 7:44
